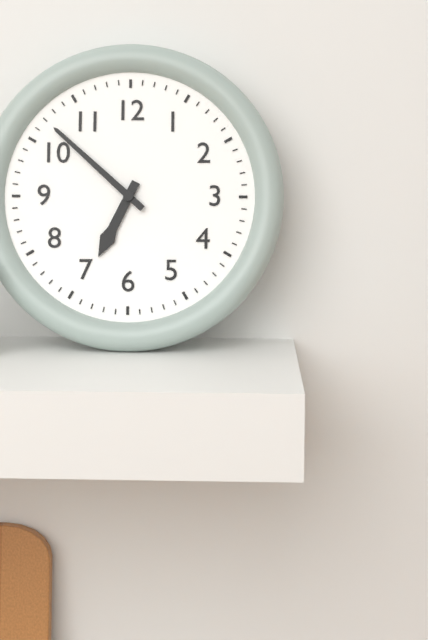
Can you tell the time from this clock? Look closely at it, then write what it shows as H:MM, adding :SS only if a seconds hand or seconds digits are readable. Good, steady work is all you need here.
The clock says 6:52
